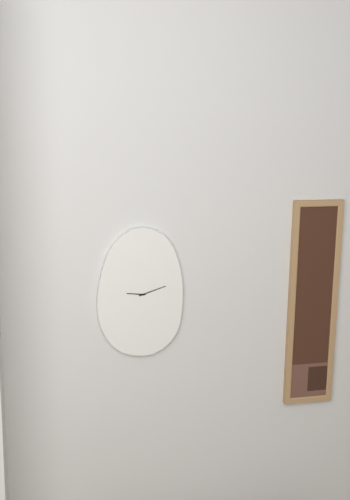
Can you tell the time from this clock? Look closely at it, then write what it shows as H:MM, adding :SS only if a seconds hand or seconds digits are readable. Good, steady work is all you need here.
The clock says 9:12
